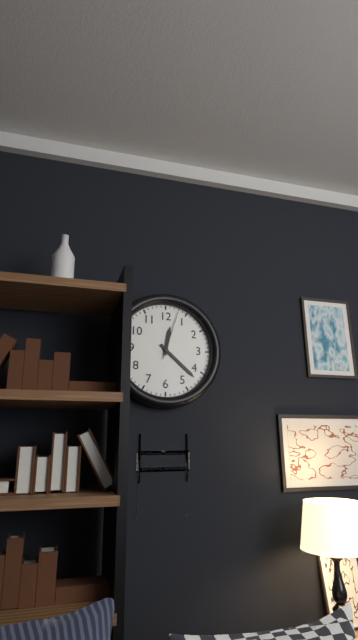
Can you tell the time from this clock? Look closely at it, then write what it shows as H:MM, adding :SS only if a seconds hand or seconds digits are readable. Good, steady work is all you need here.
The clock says 12:22:03
